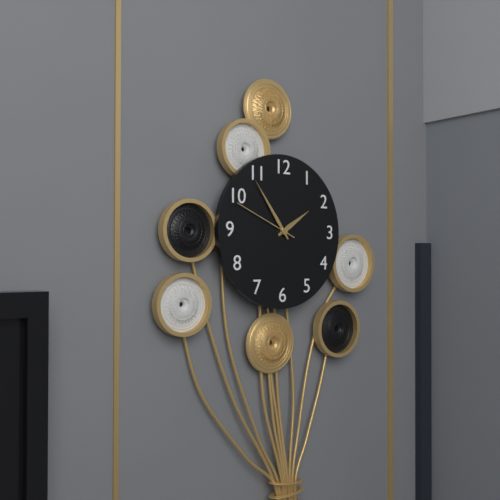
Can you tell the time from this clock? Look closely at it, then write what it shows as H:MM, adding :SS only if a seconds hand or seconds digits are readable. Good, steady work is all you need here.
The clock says 1:54:49
